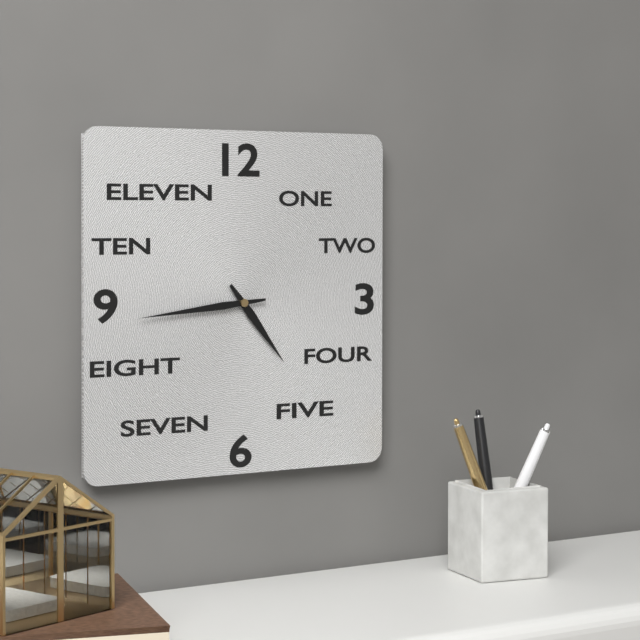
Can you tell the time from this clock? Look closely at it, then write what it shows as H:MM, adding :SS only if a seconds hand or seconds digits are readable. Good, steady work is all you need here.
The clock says 4:44
